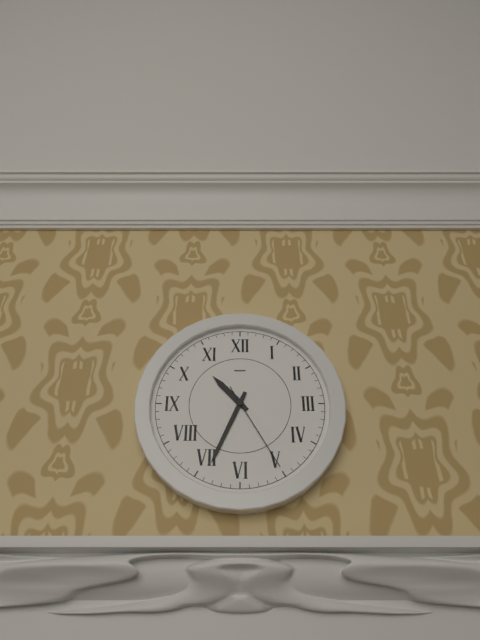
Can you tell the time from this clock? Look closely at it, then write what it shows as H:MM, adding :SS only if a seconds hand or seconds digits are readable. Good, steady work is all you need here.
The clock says 10:34:25
